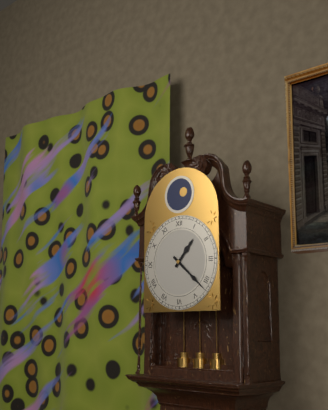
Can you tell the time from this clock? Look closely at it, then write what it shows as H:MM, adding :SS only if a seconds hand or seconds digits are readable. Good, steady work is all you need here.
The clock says 1:22
